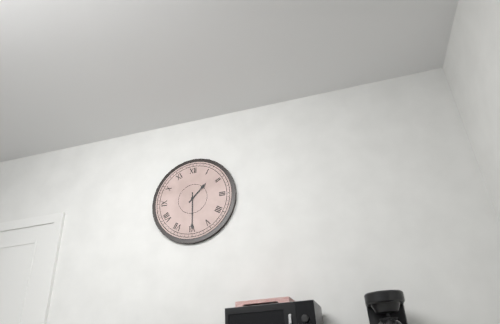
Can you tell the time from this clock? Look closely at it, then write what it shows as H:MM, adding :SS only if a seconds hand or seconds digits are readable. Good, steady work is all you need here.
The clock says 1:30
